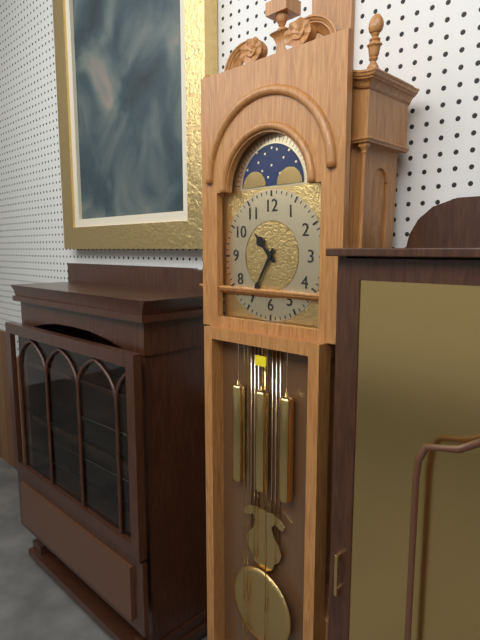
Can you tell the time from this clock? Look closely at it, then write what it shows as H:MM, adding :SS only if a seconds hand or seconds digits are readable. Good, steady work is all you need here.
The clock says 10:35
